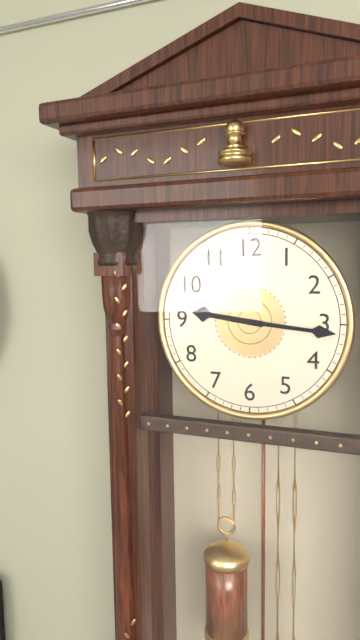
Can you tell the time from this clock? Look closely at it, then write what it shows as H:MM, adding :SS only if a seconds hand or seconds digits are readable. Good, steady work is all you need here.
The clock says 9:16
